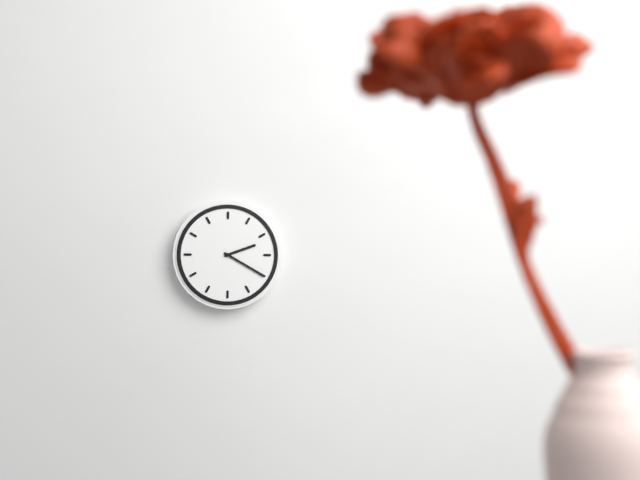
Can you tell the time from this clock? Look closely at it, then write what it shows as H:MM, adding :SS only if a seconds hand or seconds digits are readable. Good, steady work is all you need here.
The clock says 2:20
